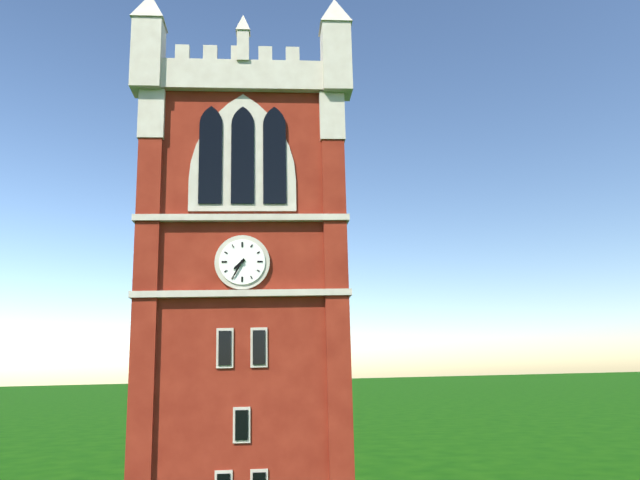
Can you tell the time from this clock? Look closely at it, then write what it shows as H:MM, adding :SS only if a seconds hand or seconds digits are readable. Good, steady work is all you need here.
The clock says 7:35
